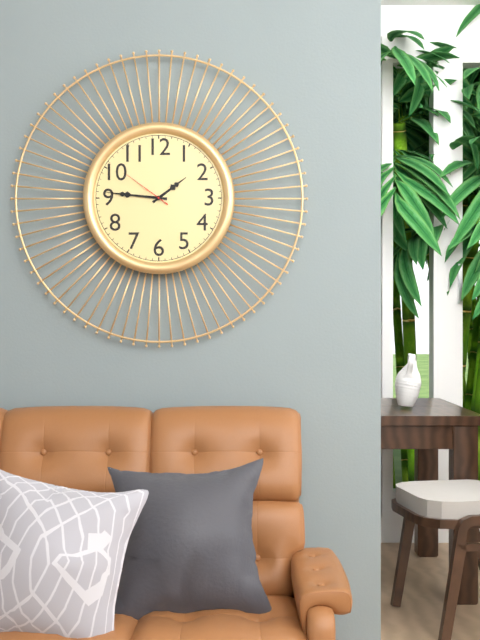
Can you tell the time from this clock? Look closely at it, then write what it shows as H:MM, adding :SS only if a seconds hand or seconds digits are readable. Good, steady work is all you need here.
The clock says 1:46:51
